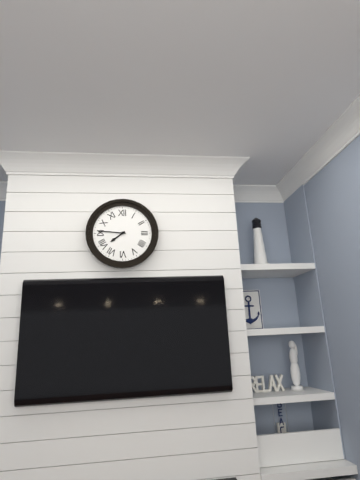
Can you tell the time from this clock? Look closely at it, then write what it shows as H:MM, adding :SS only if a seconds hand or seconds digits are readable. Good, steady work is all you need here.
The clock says 7:46
